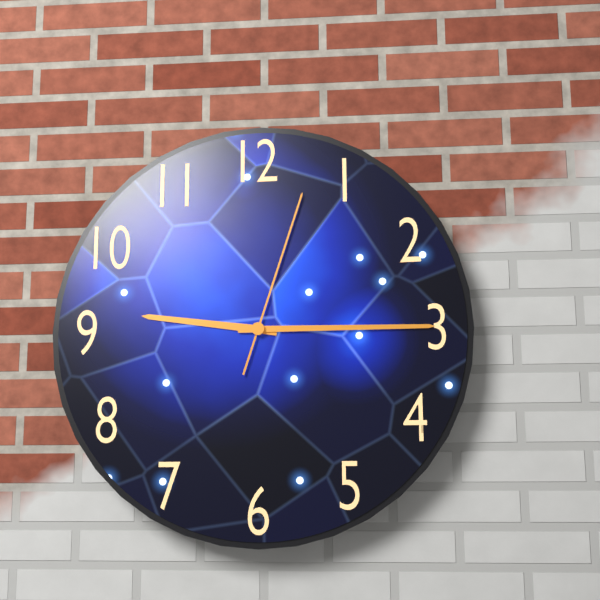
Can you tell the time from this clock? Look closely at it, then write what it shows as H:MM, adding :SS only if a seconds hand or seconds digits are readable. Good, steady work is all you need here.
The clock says 9:15:03
